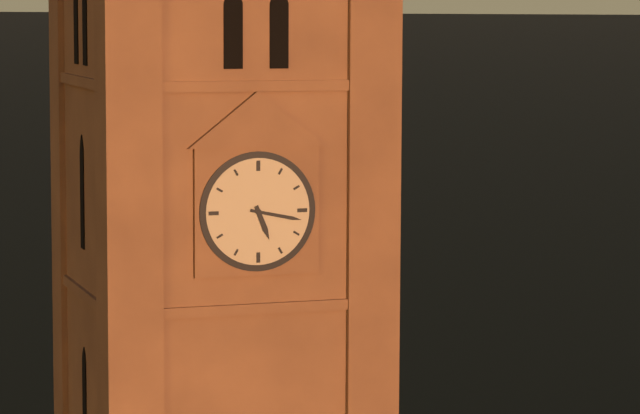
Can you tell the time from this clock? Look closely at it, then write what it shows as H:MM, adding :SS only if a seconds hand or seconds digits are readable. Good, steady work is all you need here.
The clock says 5:17
